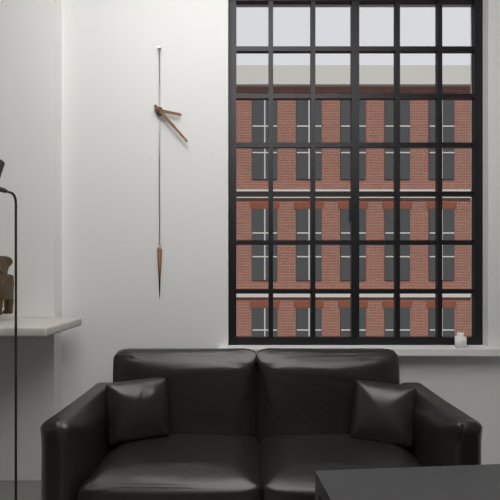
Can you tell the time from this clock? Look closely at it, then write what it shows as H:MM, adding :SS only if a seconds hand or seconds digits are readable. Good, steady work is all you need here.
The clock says 3:23
